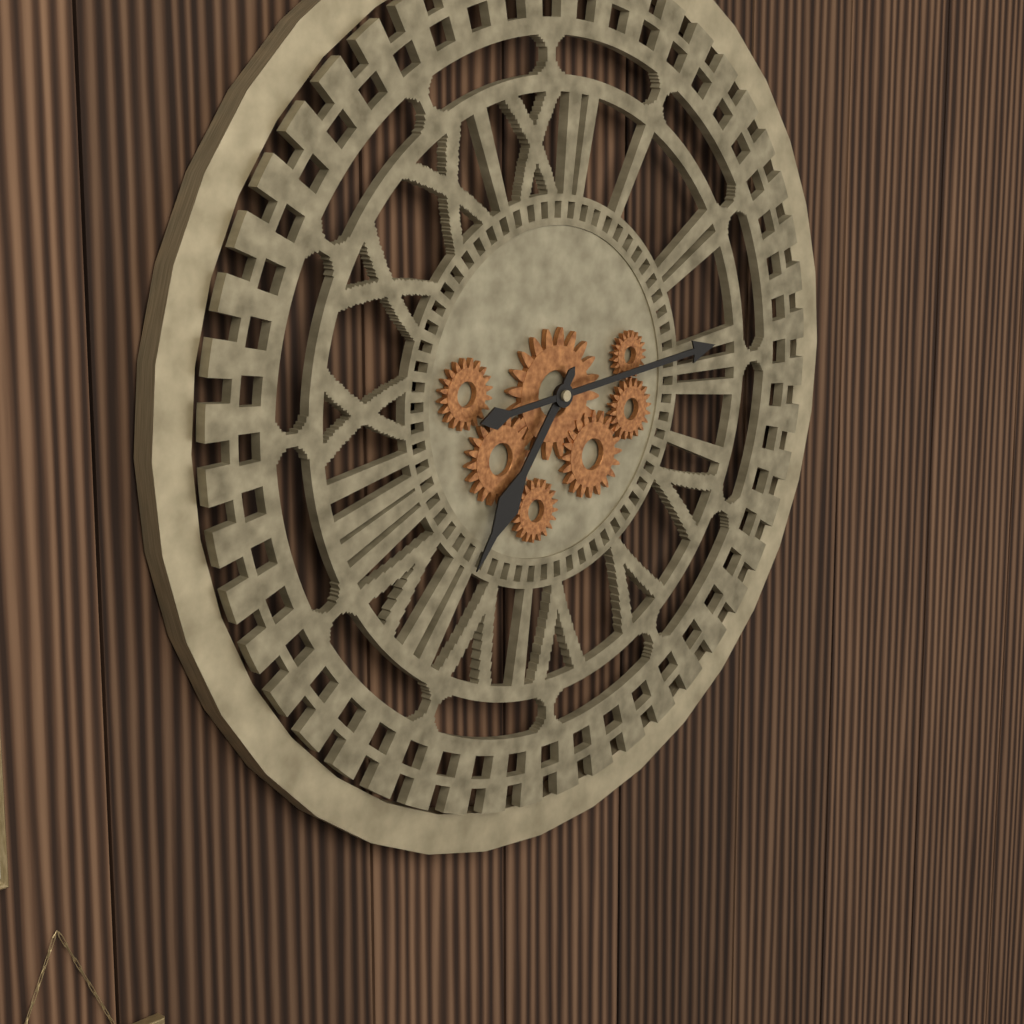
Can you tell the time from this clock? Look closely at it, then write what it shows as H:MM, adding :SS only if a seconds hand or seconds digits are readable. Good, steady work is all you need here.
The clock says 7:14
